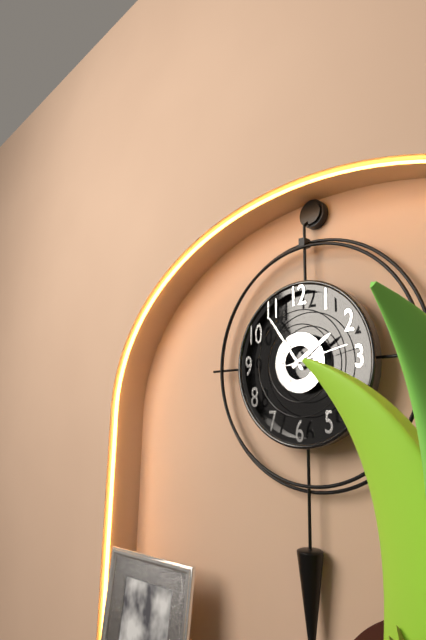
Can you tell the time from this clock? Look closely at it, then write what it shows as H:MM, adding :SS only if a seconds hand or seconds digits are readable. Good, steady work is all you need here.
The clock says 1:54:13
